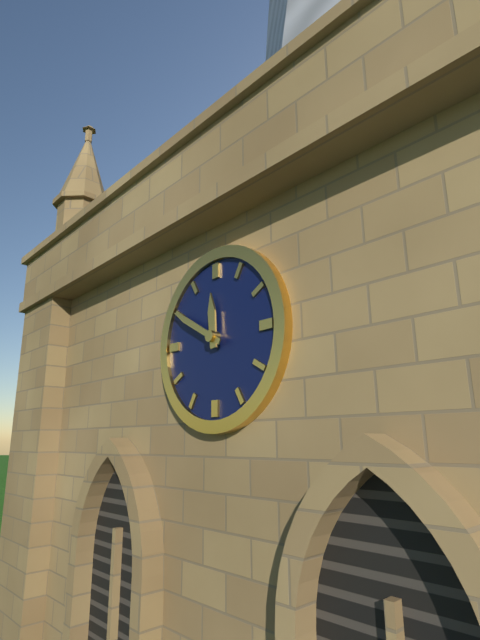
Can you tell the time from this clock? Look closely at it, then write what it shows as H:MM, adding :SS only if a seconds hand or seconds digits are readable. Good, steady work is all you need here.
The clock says 11:50
